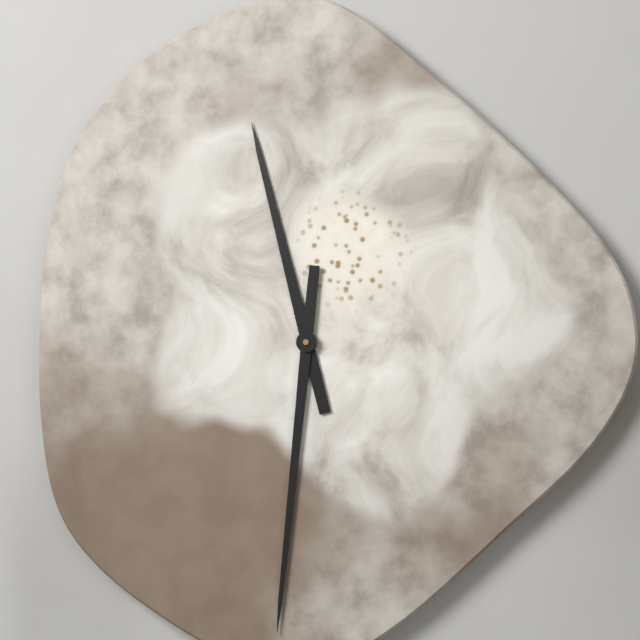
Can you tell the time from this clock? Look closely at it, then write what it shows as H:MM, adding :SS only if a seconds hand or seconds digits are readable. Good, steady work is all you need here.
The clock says 11:31
